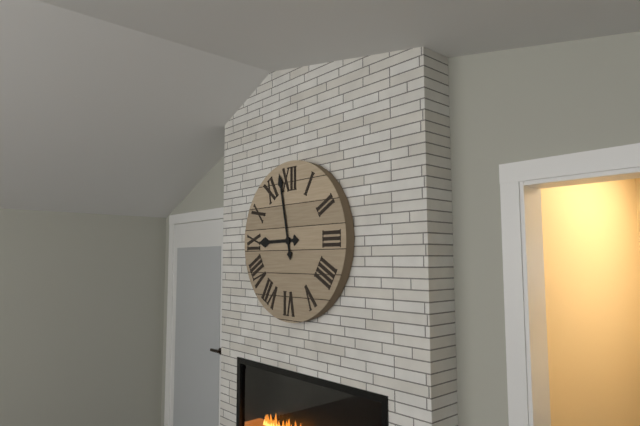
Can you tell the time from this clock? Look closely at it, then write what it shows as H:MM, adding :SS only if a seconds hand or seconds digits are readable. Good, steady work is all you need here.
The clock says 8:58
